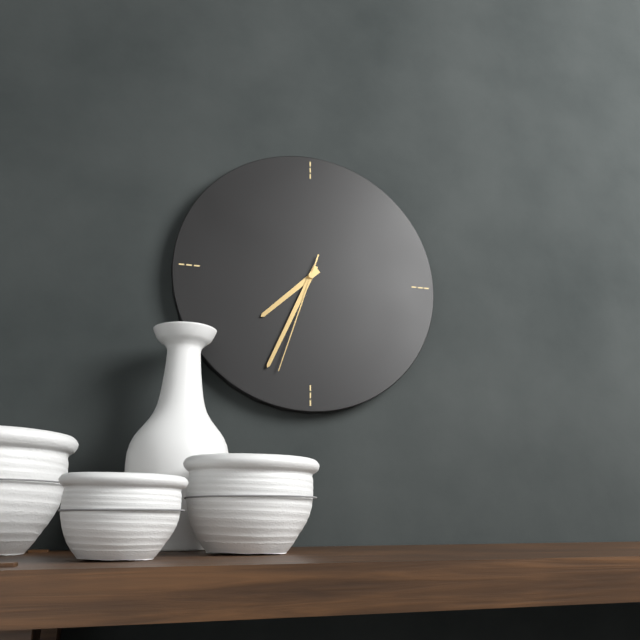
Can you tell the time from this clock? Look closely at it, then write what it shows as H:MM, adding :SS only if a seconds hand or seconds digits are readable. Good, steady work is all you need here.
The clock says 7:34:33
